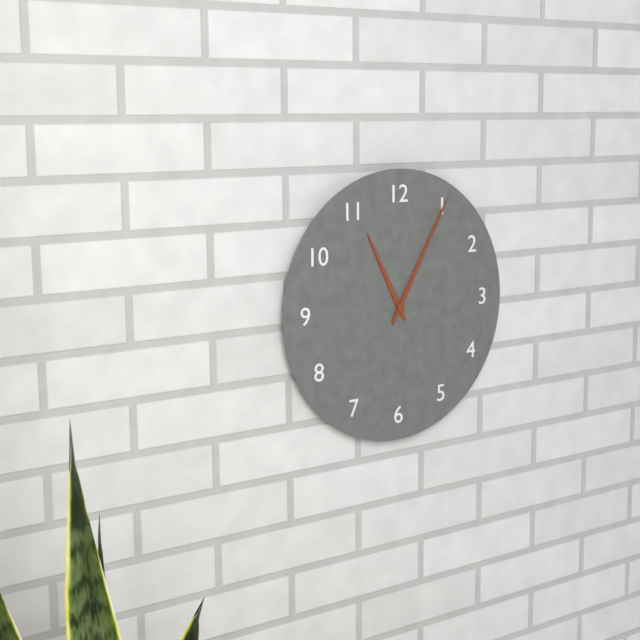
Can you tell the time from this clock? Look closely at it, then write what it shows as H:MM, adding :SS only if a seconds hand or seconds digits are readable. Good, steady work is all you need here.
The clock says 11:05
